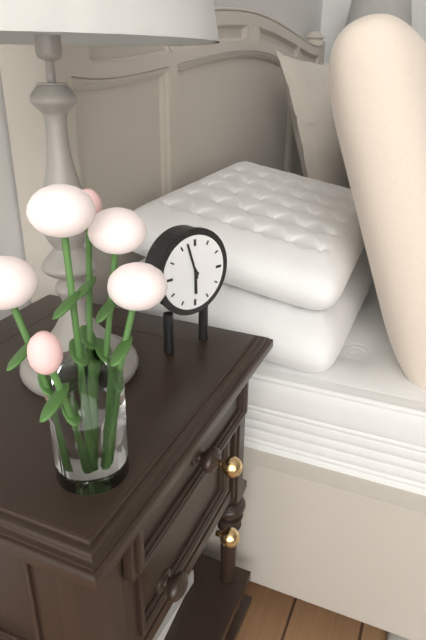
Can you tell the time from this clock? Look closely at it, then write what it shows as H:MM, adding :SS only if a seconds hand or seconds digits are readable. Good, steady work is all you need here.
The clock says 5:57
